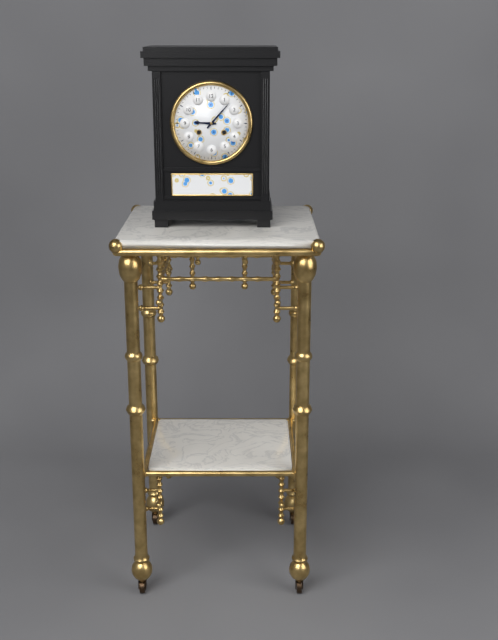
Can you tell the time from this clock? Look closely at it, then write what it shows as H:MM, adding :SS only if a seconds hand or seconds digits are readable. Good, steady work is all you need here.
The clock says 9:07
